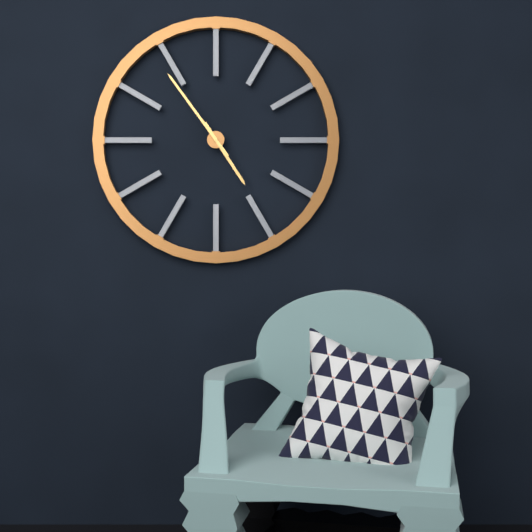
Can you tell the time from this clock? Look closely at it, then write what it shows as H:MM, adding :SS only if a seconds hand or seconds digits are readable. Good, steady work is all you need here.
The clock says 4:54
